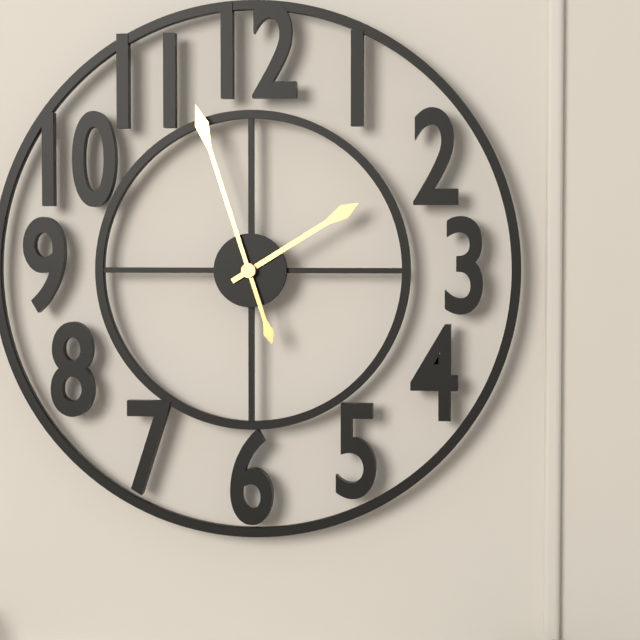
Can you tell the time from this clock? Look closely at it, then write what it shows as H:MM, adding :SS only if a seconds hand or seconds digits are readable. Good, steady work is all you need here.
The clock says 1:57
